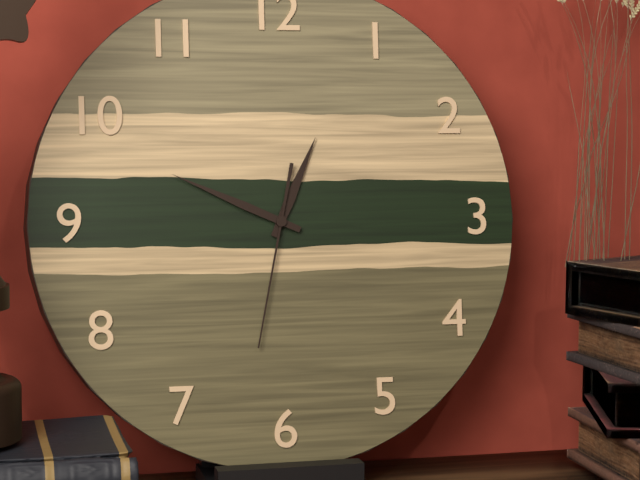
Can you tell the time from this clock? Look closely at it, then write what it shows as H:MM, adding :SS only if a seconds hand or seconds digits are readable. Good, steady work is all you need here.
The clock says 12:49:32
